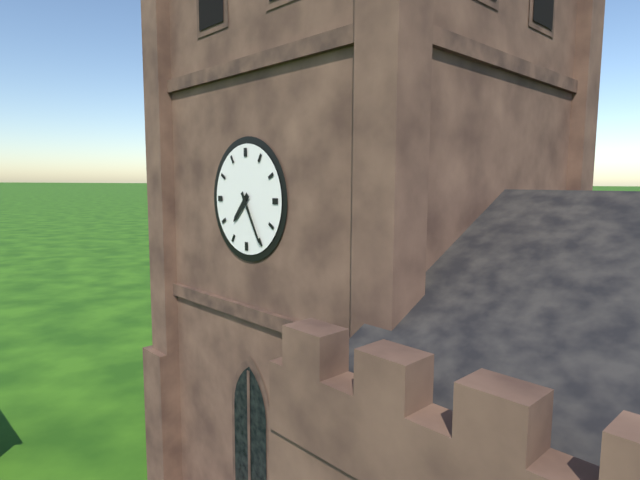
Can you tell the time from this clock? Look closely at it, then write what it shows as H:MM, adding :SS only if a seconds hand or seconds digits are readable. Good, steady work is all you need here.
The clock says 7:25
